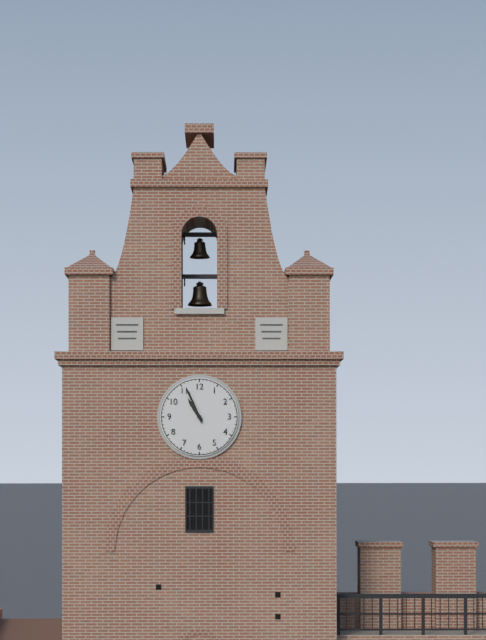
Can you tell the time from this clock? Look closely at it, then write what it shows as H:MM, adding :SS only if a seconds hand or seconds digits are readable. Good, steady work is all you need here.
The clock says 10:56
